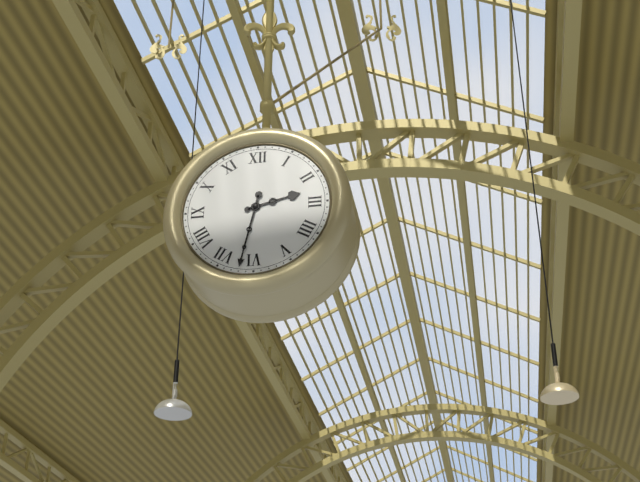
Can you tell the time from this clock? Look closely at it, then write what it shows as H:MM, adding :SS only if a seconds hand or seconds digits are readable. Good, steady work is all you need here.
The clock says 2:32
